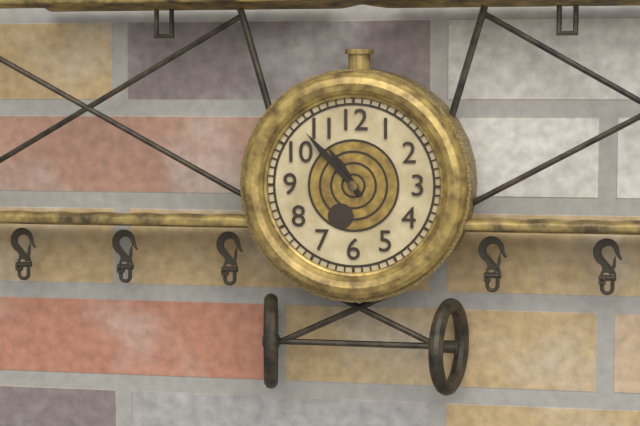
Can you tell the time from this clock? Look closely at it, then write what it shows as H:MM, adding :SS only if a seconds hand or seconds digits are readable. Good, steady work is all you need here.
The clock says 10:53
